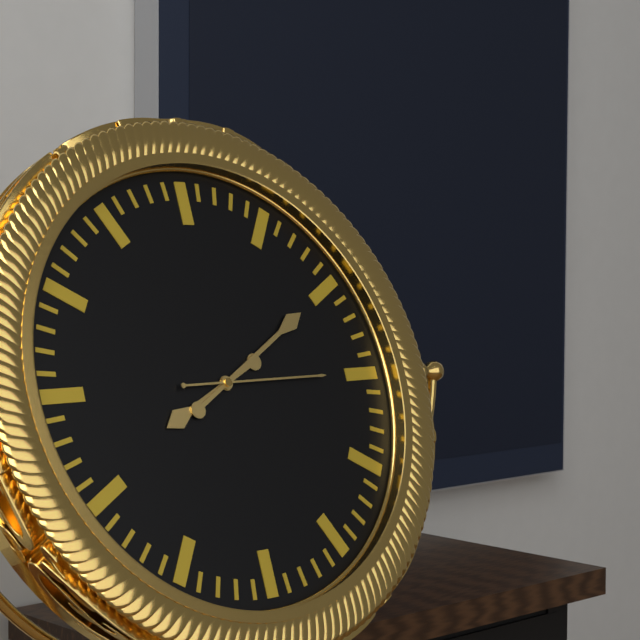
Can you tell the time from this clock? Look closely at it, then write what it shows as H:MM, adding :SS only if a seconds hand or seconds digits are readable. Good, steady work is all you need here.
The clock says 8:10:15
